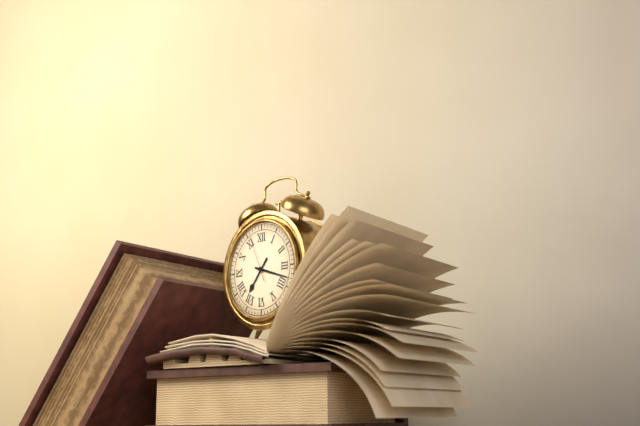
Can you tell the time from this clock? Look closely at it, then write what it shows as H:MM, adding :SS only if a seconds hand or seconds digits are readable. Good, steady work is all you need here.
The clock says 7:18
